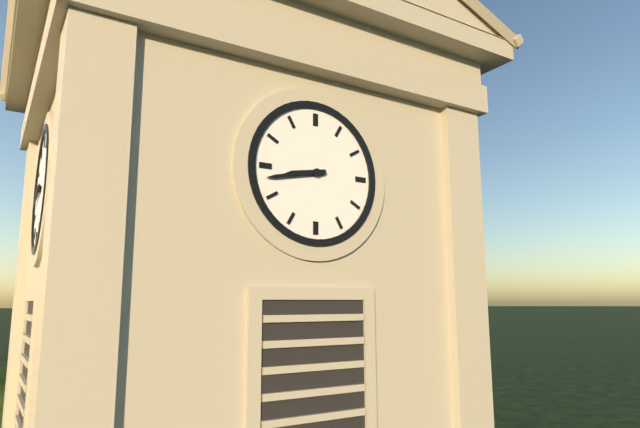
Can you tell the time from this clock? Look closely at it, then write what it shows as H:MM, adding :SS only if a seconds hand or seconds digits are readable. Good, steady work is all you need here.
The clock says 8:43
